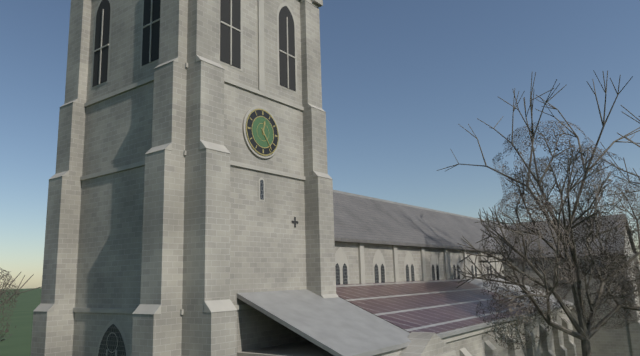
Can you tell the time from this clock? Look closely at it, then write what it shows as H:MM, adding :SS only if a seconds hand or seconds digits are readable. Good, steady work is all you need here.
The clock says 12:24
